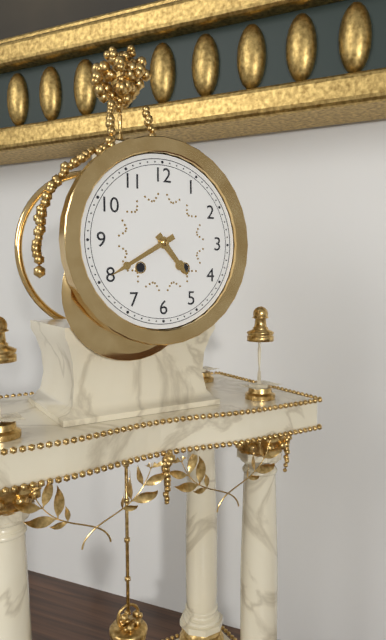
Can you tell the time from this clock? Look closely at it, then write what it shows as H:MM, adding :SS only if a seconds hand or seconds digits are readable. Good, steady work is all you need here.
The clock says 4:40
